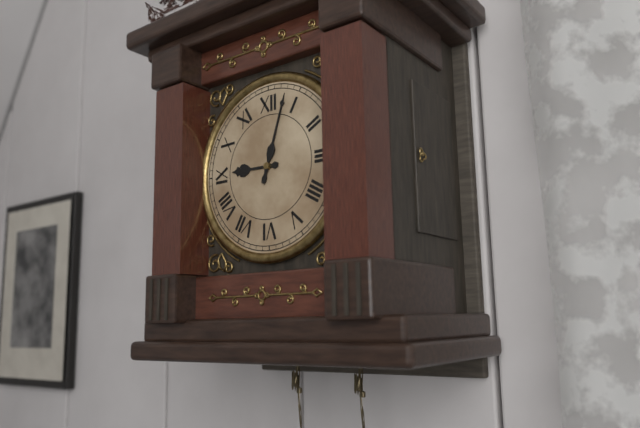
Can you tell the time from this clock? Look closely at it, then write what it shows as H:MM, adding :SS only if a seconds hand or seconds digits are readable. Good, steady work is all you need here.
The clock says 9:03
